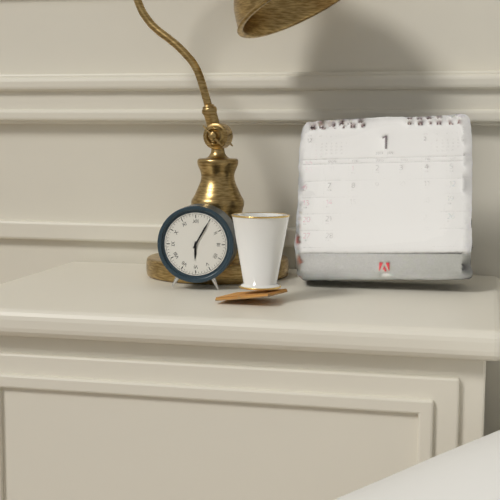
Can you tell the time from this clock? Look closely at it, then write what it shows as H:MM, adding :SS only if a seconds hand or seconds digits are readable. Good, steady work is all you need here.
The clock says 6:05
